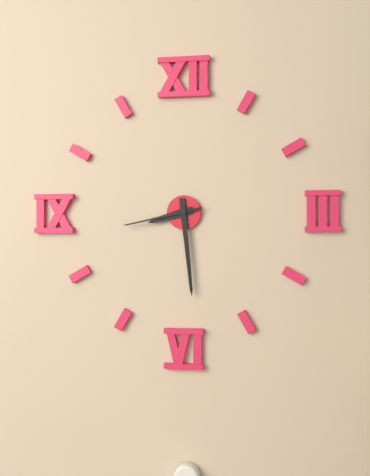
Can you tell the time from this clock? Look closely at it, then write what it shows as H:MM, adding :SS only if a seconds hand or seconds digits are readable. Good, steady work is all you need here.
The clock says 8:29:43
